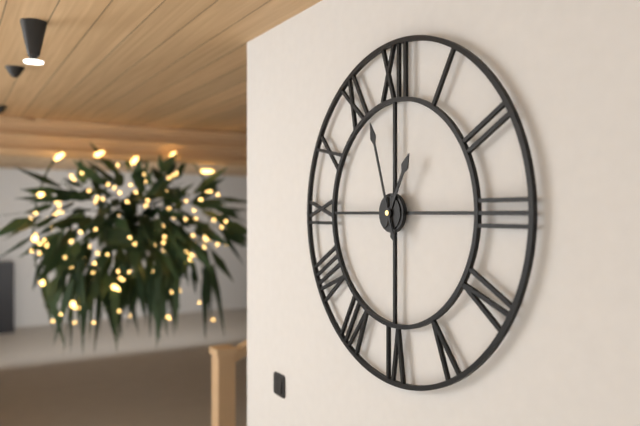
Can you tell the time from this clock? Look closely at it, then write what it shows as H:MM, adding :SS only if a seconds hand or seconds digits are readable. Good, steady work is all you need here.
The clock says 12:57
